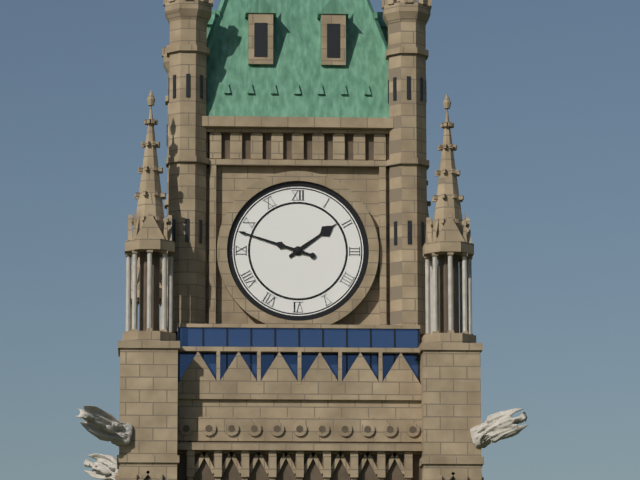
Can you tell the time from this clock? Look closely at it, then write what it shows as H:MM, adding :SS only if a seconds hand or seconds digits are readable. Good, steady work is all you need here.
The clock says 1:48
